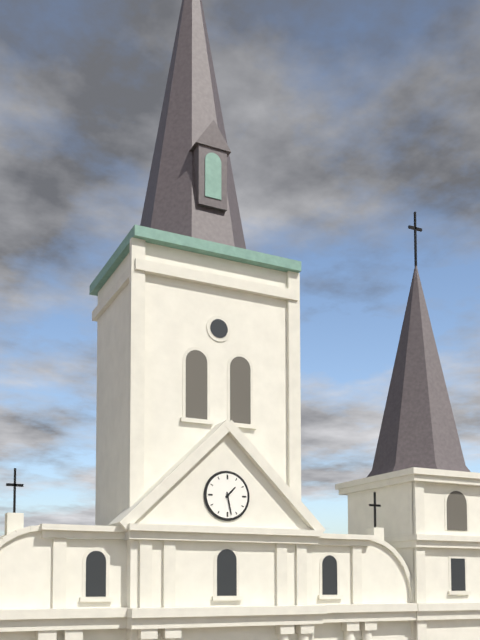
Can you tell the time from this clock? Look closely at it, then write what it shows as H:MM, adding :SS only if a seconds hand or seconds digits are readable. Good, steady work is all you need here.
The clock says 1:28
